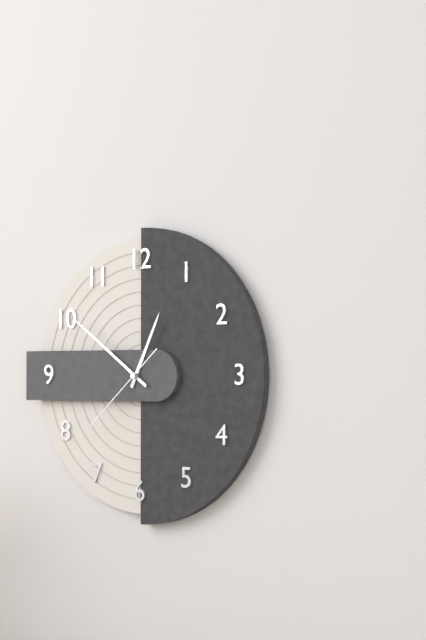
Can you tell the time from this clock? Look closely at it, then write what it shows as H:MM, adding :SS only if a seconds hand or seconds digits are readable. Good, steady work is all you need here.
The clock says 12:51:38
